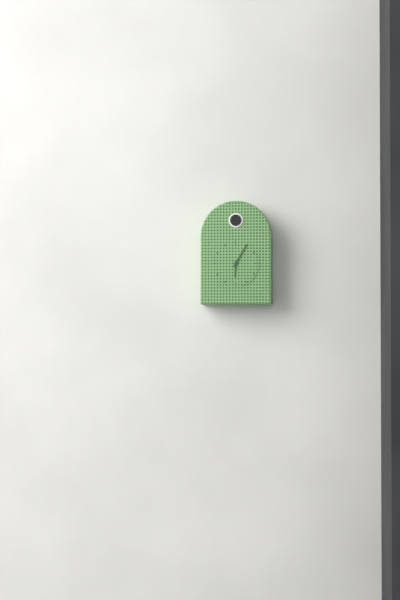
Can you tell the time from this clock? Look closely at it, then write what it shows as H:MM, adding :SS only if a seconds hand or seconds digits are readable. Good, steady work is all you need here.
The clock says 6:05
